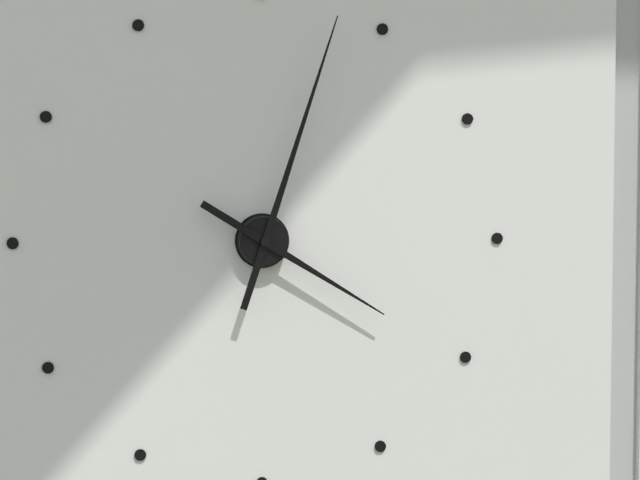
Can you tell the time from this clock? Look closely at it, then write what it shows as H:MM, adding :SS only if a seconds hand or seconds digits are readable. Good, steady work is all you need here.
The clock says 4:03
